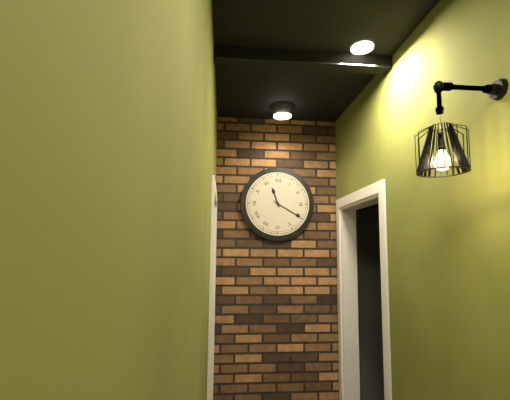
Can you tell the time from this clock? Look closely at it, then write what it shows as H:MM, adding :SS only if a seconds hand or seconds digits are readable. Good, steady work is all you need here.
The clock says 11:20
